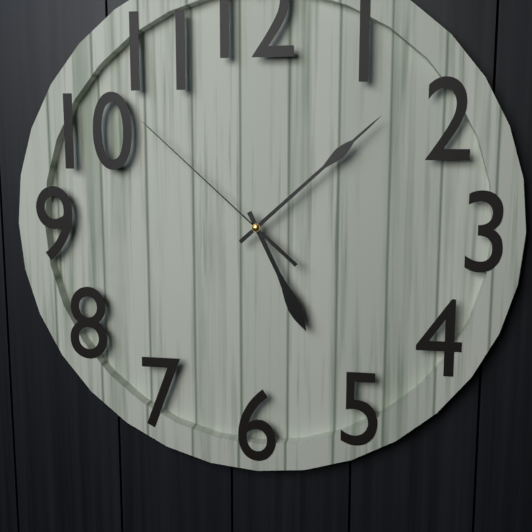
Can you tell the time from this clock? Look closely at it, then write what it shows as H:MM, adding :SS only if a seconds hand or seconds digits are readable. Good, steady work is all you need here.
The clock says 5:08:52
